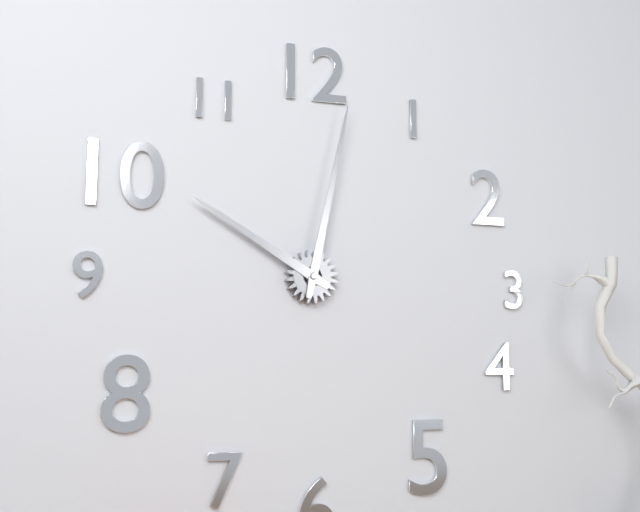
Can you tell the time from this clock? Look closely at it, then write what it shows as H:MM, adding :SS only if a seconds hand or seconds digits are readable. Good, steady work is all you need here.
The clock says 10:02
